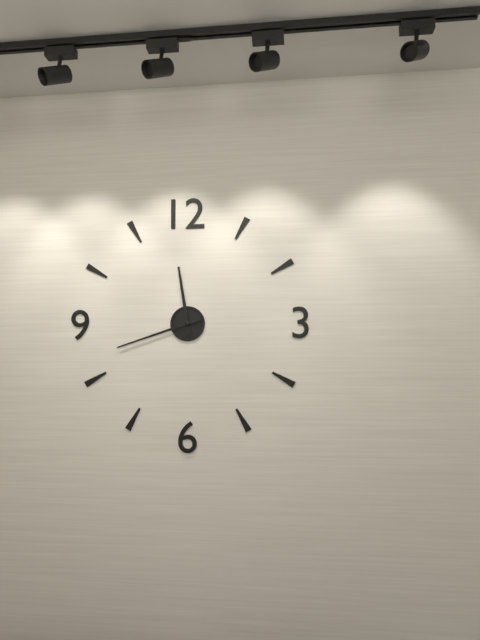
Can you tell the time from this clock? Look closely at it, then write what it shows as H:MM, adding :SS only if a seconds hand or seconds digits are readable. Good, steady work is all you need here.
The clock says 11:42
